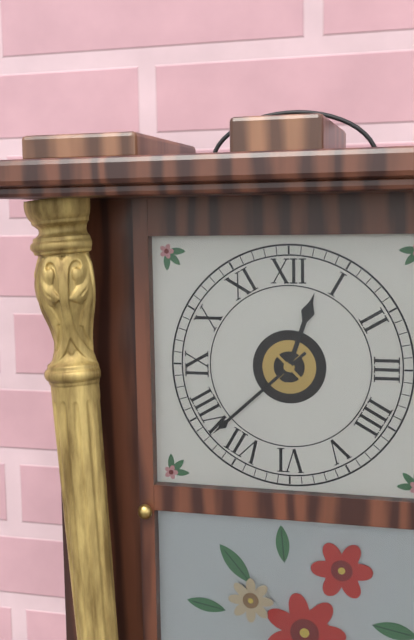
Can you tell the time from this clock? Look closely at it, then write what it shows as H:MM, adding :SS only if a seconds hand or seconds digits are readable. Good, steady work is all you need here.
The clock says 12:38
